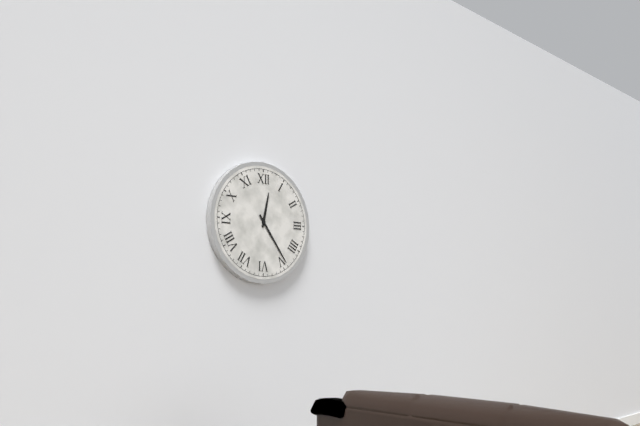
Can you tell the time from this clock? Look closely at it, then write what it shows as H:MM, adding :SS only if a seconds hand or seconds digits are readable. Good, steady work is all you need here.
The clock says 12:24
